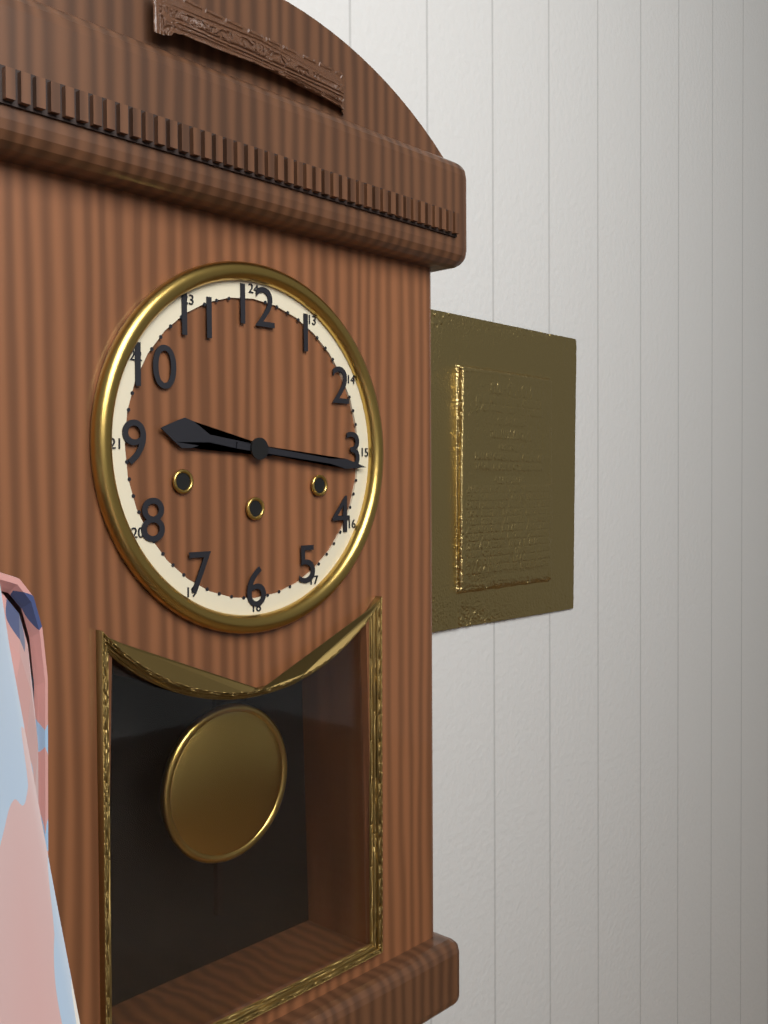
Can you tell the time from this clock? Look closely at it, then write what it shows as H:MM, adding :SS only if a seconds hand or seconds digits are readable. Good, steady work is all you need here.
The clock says 9:16
